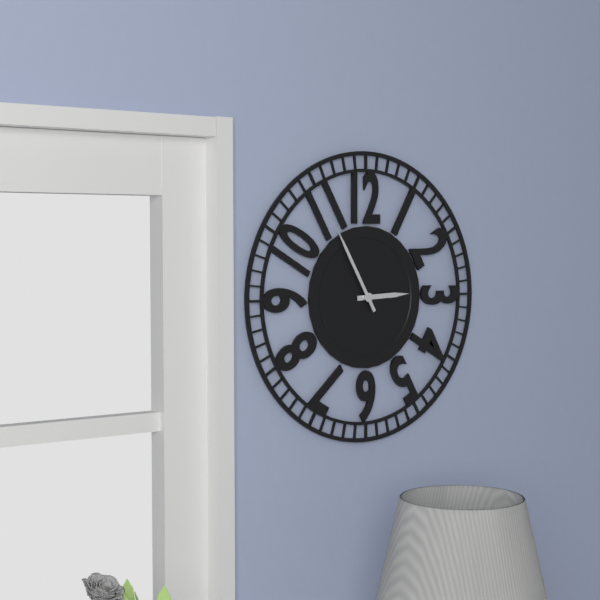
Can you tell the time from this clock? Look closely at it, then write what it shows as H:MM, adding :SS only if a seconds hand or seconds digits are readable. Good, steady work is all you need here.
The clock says 2:55
